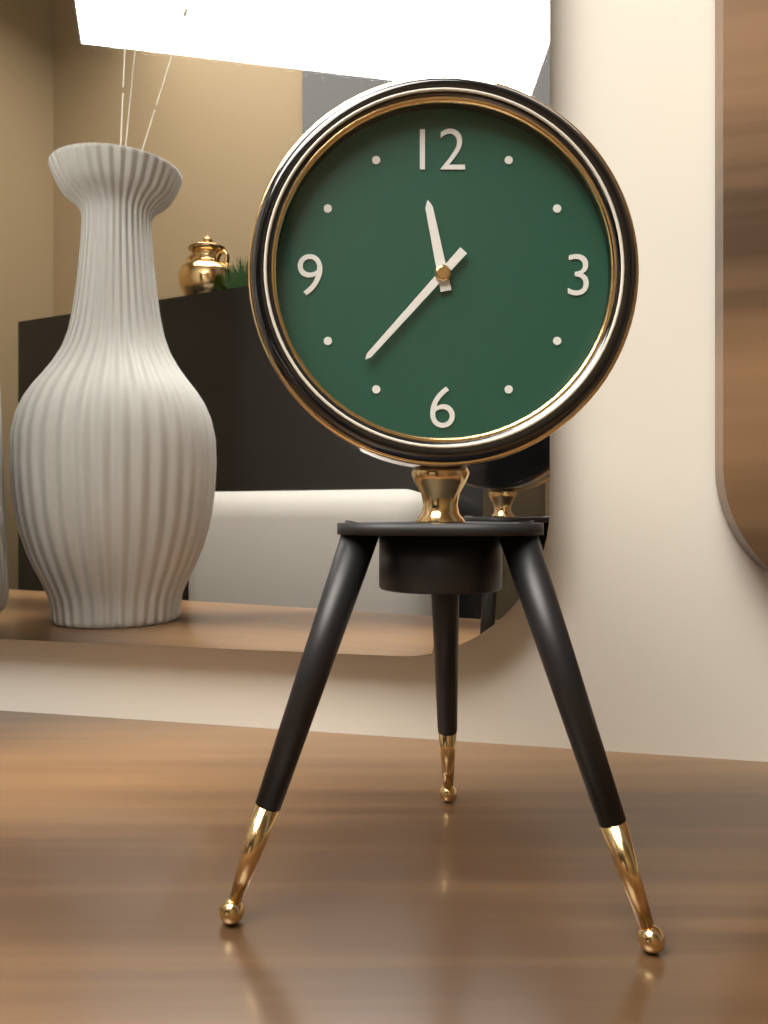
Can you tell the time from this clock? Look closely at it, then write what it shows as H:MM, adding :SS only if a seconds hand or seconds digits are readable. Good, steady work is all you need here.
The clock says 11:37
